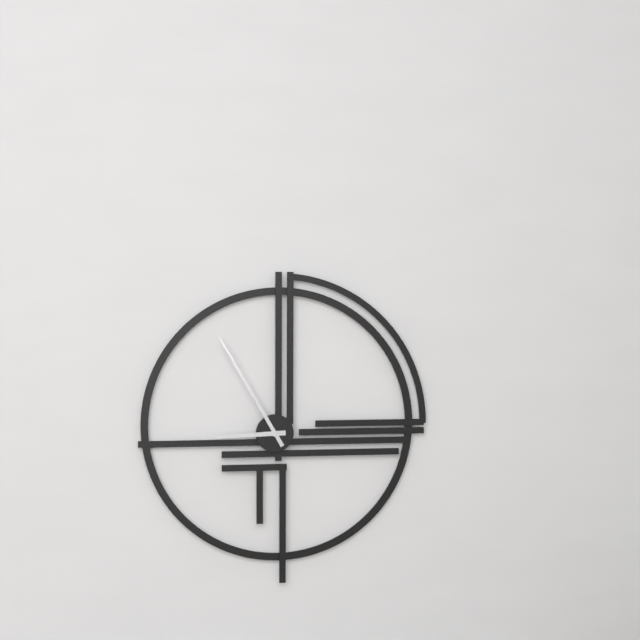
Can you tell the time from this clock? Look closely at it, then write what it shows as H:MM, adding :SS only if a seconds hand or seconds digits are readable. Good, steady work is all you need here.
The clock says 8:55
